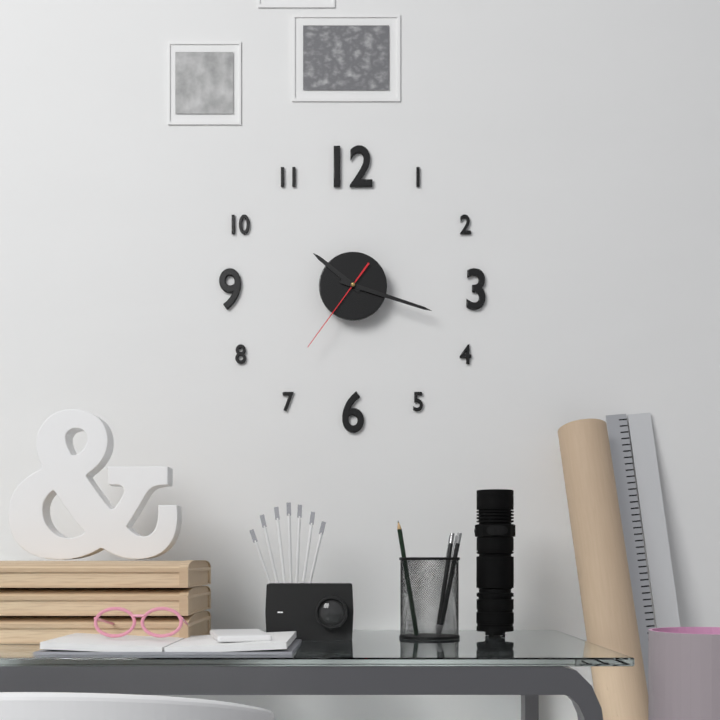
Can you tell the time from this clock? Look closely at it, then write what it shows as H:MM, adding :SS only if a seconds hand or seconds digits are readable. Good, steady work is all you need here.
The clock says 10:18:36
